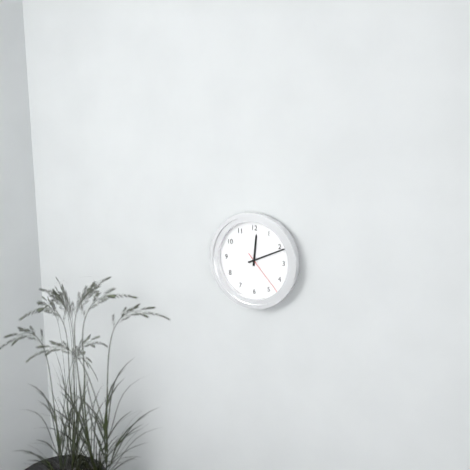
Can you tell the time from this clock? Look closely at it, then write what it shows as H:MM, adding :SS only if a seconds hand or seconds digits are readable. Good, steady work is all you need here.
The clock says 12:11:23
